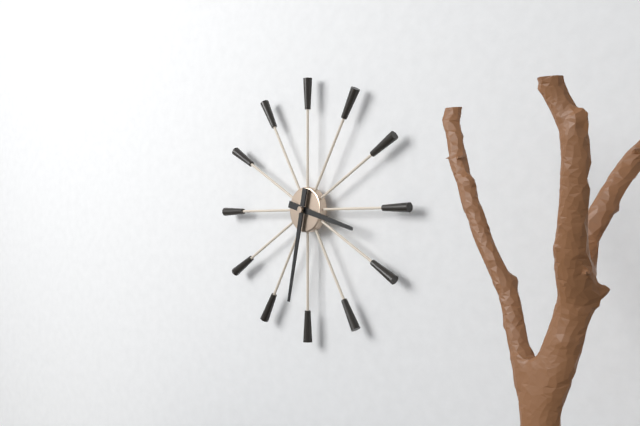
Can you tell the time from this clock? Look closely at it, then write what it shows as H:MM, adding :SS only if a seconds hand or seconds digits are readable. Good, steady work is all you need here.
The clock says 3:32
